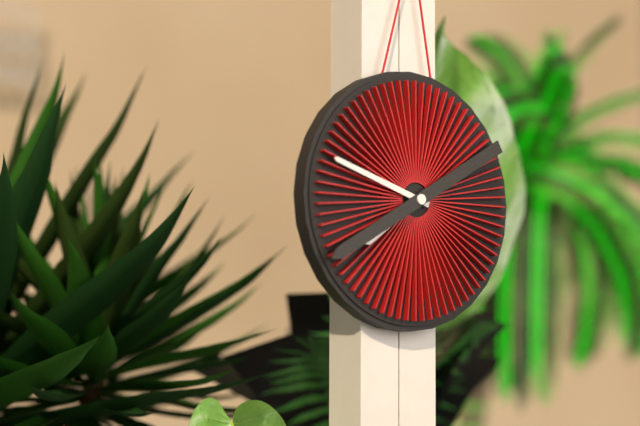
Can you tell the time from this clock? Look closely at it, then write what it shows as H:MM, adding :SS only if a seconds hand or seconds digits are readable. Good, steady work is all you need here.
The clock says 7:48:40
